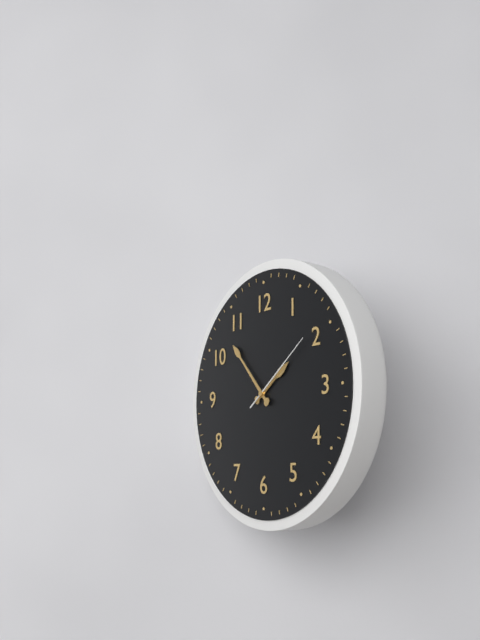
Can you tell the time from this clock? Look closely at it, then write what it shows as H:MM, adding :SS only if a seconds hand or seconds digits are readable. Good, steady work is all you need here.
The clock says 1:53:09
